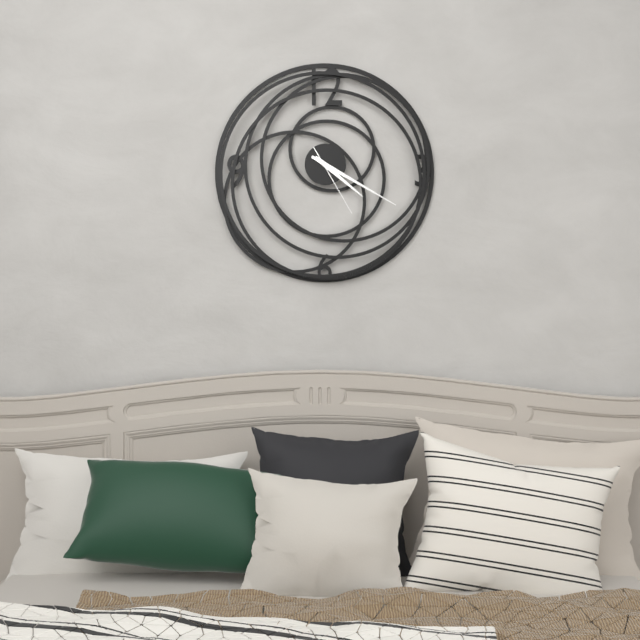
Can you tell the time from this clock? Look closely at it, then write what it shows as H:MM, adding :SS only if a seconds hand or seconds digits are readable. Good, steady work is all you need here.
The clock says 4:20:25
